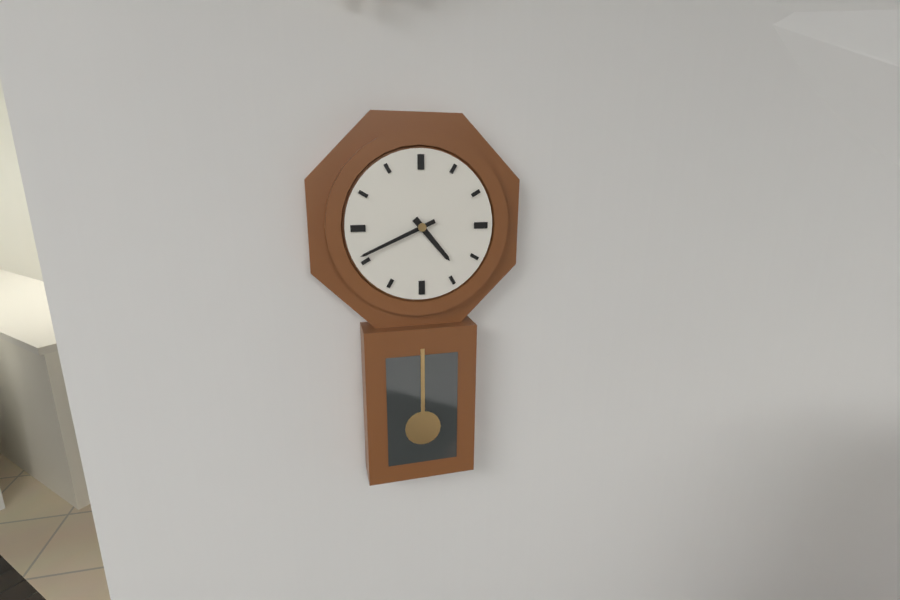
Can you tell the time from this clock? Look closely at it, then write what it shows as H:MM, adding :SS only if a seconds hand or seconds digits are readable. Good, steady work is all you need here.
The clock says 4:41
